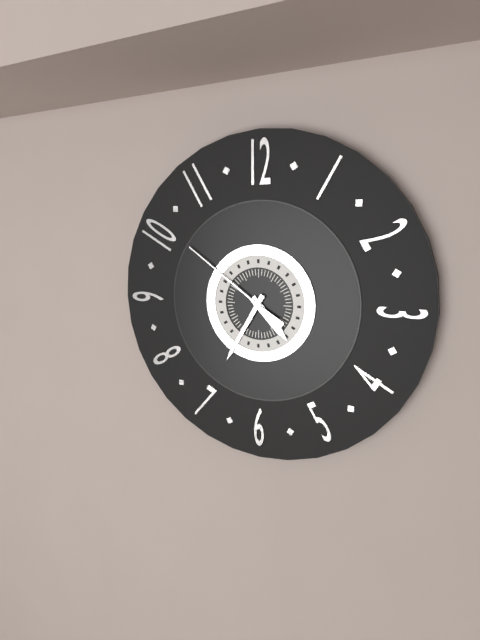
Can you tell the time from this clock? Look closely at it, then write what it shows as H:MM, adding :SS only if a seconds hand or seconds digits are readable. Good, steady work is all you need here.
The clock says 4:35:51
